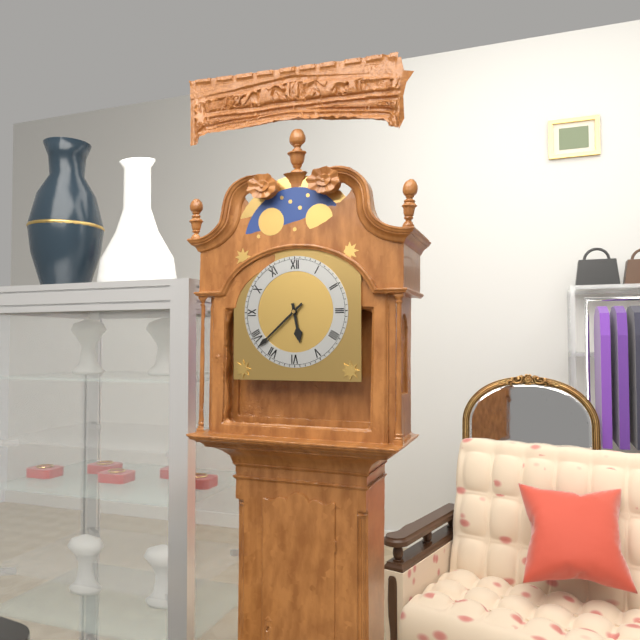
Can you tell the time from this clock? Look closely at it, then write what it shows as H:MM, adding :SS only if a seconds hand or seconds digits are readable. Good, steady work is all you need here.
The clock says 5:38
